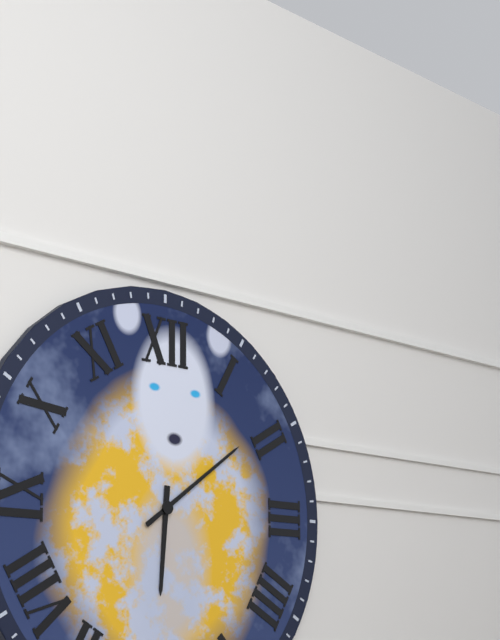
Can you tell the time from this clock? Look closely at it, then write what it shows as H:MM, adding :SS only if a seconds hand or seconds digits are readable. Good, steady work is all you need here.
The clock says 6:09
